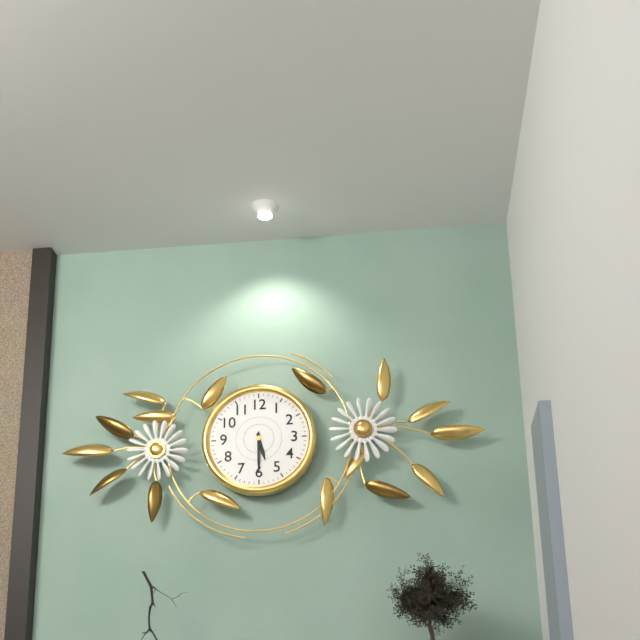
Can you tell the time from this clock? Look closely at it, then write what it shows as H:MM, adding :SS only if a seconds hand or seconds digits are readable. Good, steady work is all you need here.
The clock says 5:30
